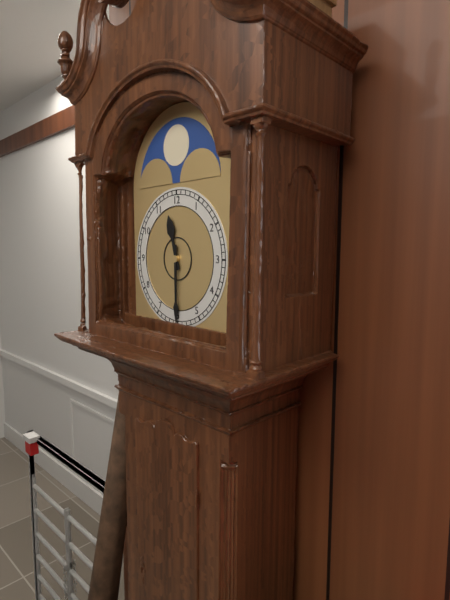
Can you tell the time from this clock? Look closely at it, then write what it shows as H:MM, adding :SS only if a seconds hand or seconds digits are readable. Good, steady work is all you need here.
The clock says 11:30
